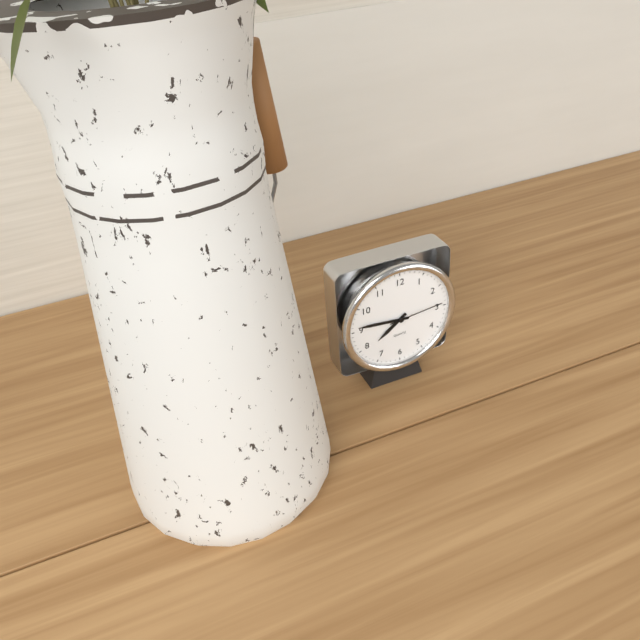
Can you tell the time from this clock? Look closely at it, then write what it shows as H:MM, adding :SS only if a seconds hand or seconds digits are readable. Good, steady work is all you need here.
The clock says 7:46:14
